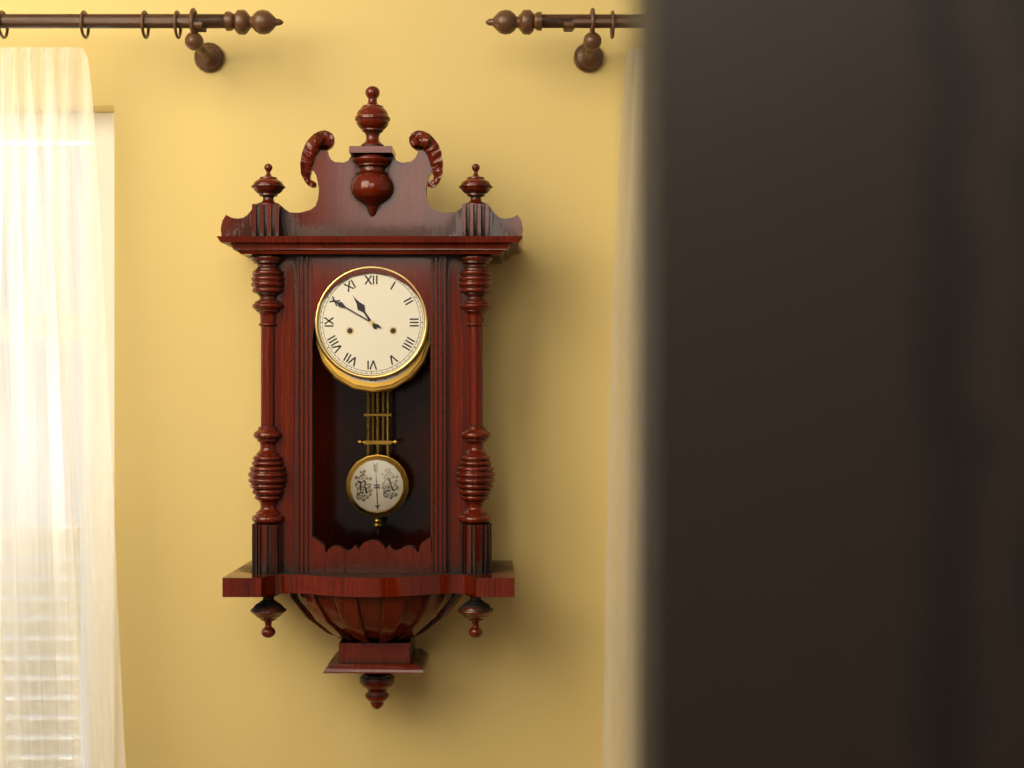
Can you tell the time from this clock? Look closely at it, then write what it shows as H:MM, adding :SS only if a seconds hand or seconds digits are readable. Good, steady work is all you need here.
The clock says 10:50
